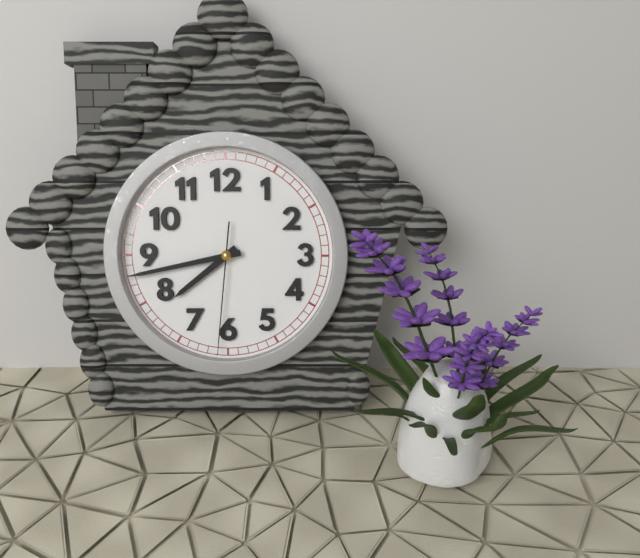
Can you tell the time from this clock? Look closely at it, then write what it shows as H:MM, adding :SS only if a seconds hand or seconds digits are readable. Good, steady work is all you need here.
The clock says 7:43:31
